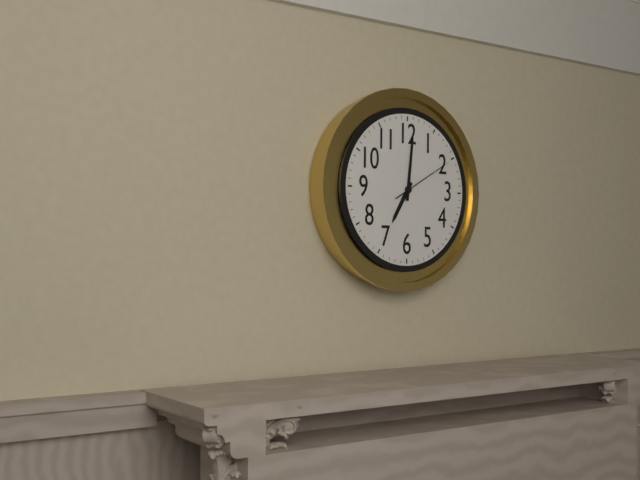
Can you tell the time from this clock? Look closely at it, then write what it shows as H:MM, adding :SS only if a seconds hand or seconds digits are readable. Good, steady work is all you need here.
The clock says 7:01:10
